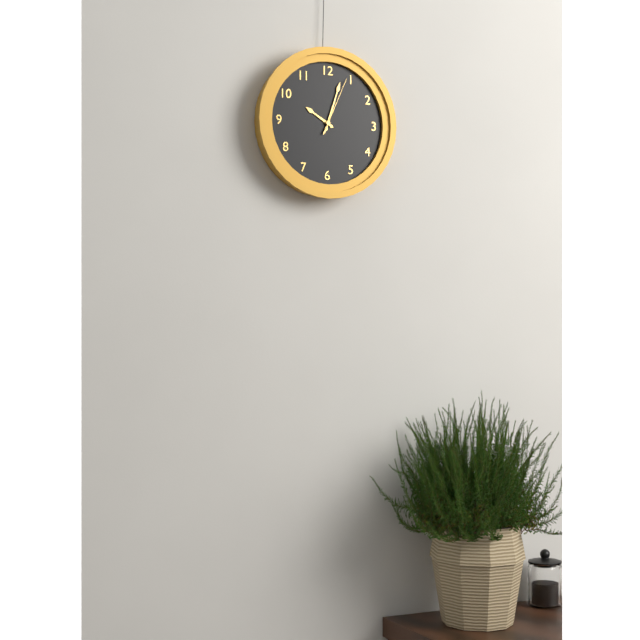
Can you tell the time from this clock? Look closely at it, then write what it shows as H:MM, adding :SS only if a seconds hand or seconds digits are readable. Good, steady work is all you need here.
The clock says 10:03:04
